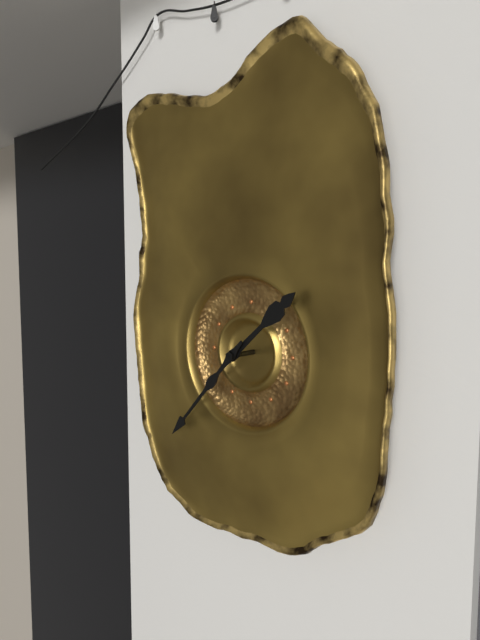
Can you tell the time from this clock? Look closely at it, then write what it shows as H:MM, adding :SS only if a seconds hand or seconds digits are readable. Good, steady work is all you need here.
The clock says 1:37
